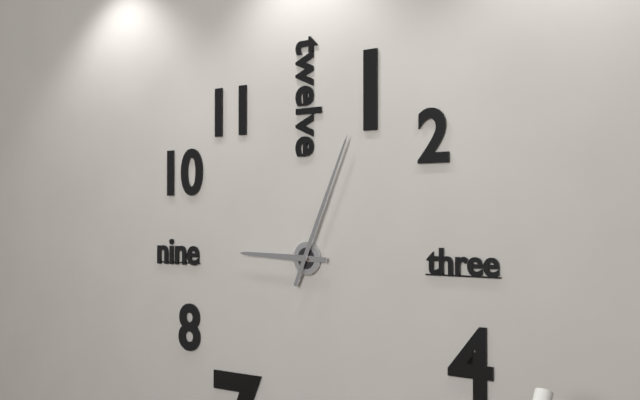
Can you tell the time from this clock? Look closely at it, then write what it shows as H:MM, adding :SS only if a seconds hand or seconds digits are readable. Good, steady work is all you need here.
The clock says 9:04
